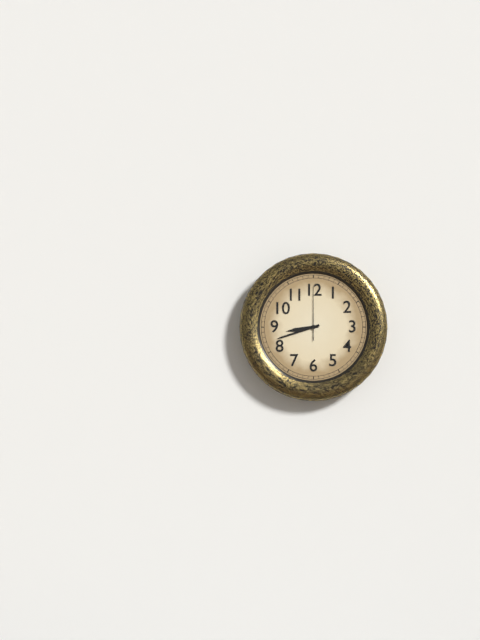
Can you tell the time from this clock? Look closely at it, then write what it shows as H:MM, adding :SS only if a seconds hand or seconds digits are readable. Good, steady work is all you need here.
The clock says 8:42:00
